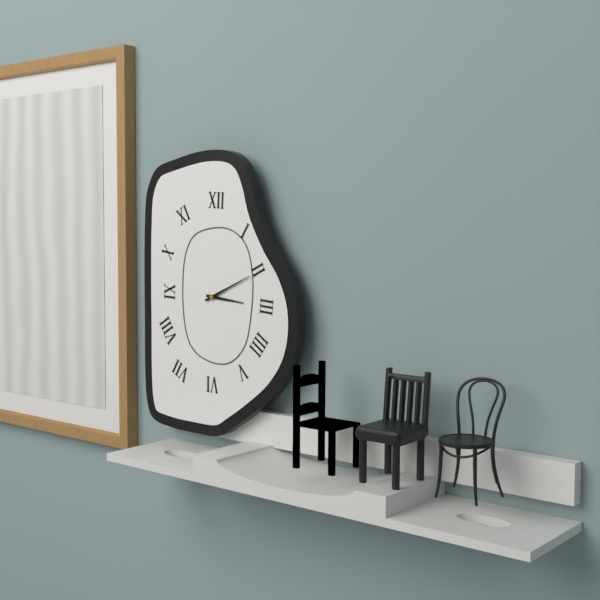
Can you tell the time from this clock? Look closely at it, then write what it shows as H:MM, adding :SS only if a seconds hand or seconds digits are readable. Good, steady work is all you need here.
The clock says 3:11
